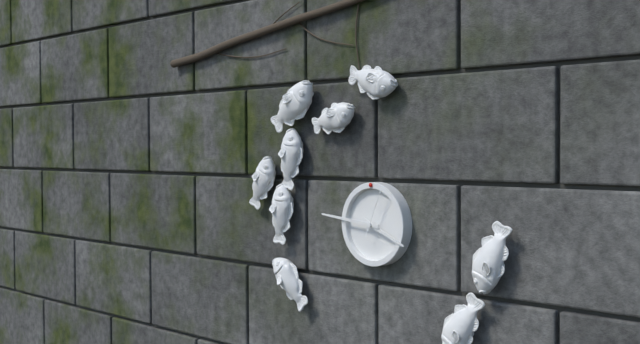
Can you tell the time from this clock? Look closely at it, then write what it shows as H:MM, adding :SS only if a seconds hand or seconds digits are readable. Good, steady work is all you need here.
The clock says 3:46
